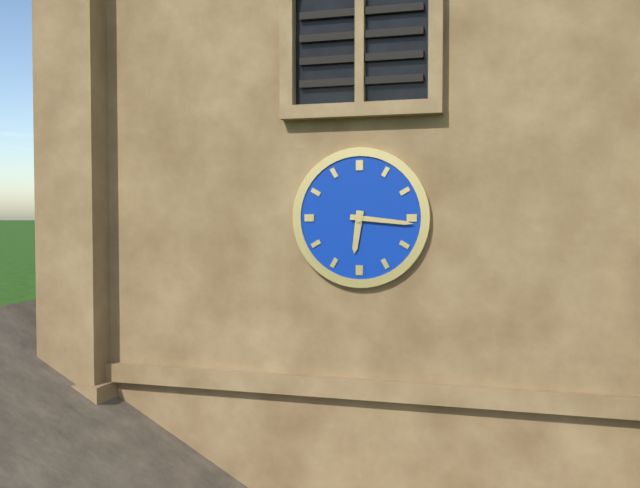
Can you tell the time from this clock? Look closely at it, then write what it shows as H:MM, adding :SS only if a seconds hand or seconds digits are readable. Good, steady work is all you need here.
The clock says 6:16
